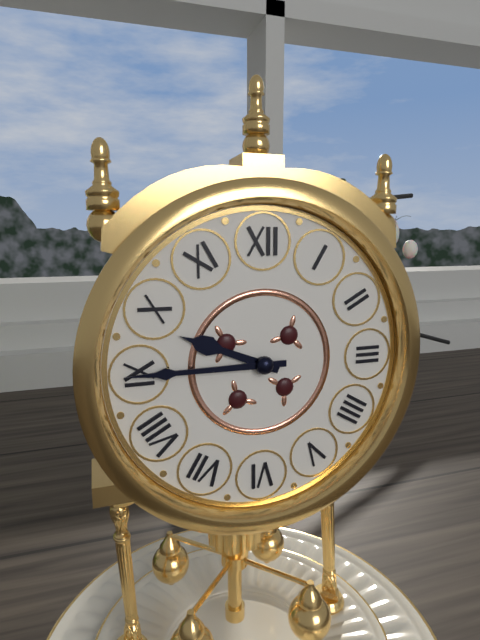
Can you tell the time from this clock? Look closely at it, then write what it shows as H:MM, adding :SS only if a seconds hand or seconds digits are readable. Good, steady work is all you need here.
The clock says 9:45
